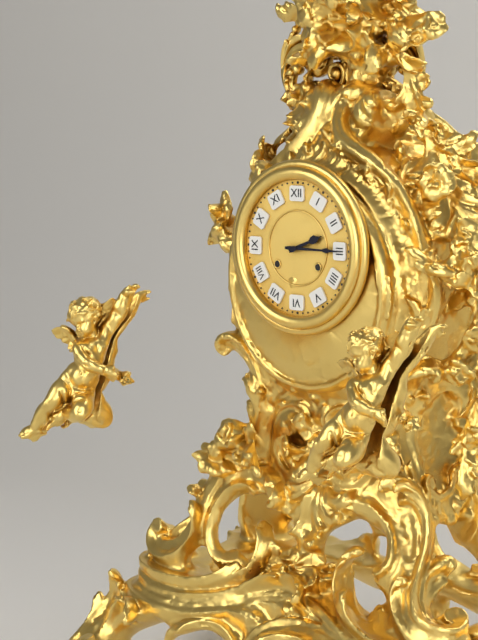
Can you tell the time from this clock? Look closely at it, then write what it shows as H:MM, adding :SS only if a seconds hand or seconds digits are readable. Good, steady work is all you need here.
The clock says 2:15
